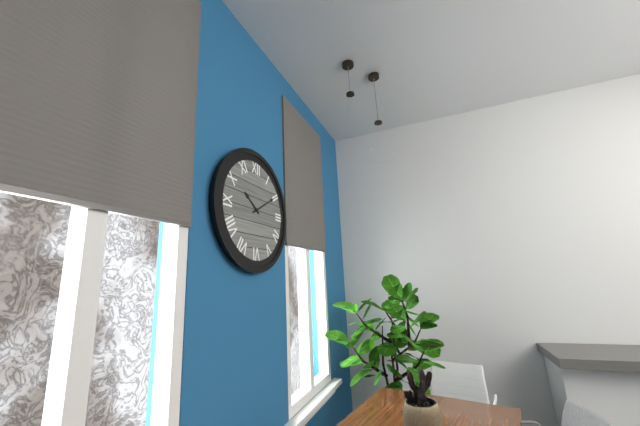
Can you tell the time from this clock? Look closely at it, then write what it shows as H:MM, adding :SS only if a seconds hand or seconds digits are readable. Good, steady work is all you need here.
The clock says 10:10
